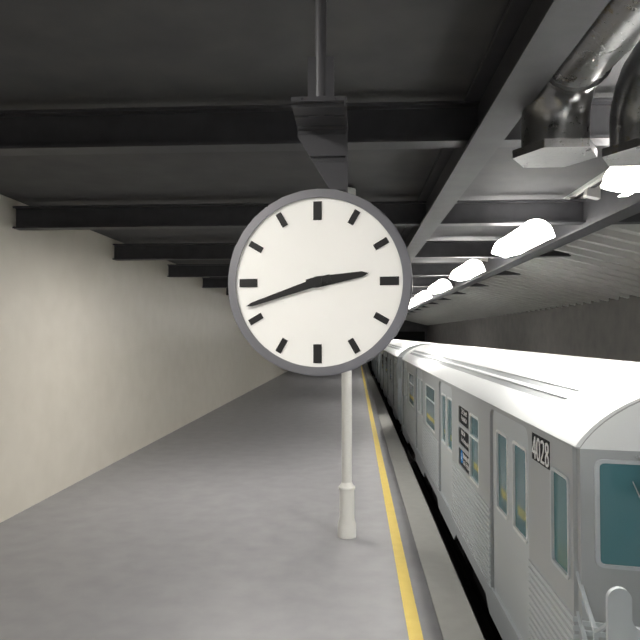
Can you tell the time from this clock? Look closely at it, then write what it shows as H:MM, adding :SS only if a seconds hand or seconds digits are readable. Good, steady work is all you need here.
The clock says 2:42
